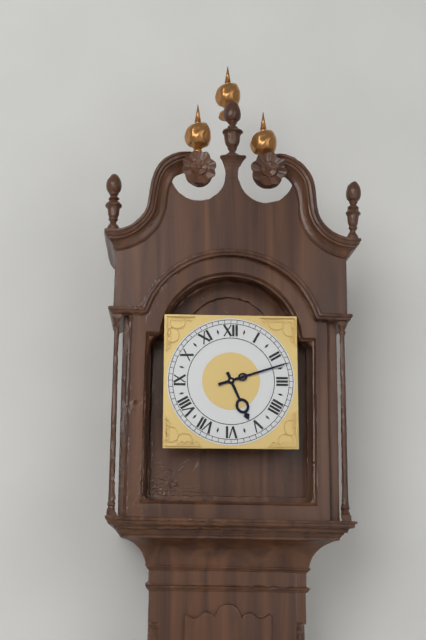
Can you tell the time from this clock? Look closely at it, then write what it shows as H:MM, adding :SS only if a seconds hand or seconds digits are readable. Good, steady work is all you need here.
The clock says 5:12
